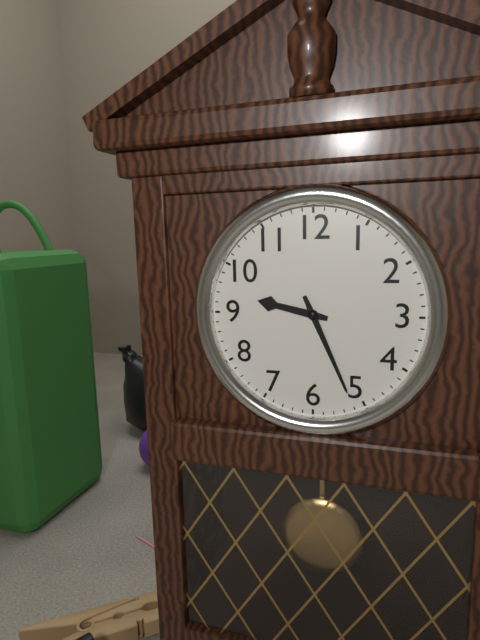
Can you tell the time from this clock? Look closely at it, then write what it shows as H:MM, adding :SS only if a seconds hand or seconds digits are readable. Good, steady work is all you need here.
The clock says 9:26
